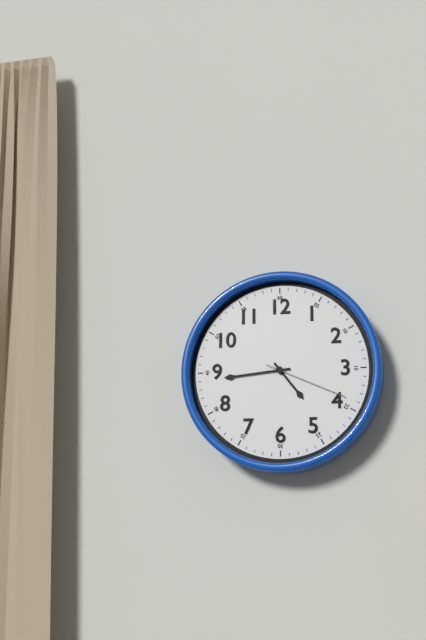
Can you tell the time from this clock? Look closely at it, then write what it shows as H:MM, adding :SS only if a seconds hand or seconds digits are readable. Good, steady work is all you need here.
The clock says 4:44:19
